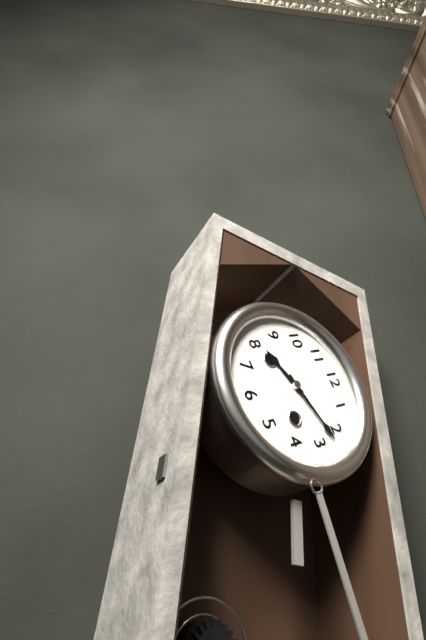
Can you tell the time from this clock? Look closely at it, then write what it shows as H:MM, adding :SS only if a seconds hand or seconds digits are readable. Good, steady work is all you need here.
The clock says 8:12
